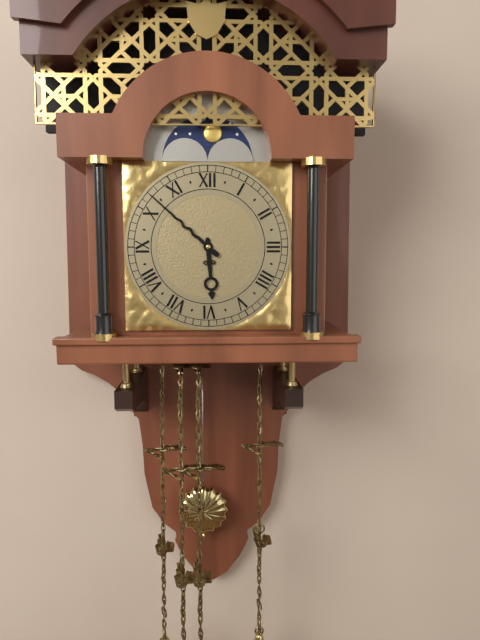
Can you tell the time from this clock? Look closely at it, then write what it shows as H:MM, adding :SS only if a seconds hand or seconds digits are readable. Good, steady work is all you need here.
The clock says 5:52
